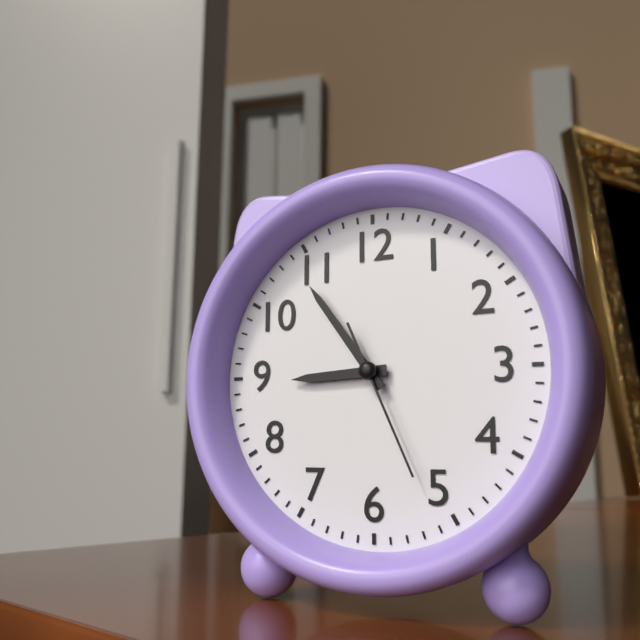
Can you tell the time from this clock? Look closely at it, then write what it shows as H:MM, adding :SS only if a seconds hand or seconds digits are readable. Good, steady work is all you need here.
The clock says 8:54:26
